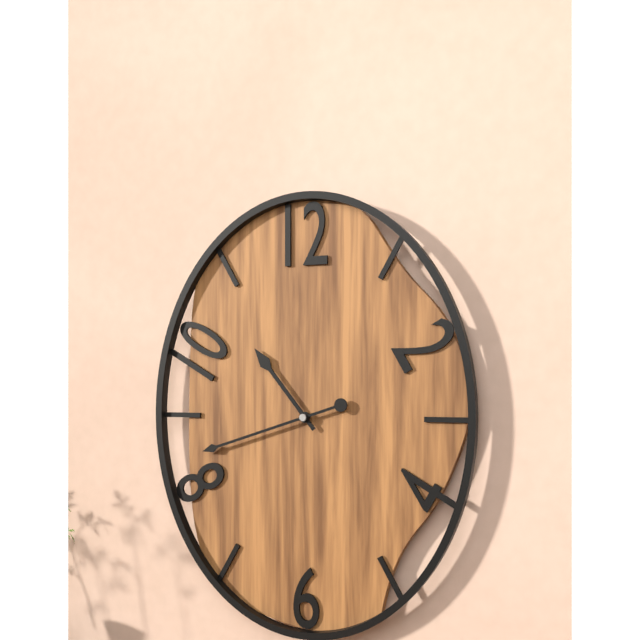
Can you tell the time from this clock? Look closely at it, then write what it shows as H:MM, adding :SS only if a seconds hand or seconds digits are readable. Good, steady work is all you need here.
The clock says 10:42
